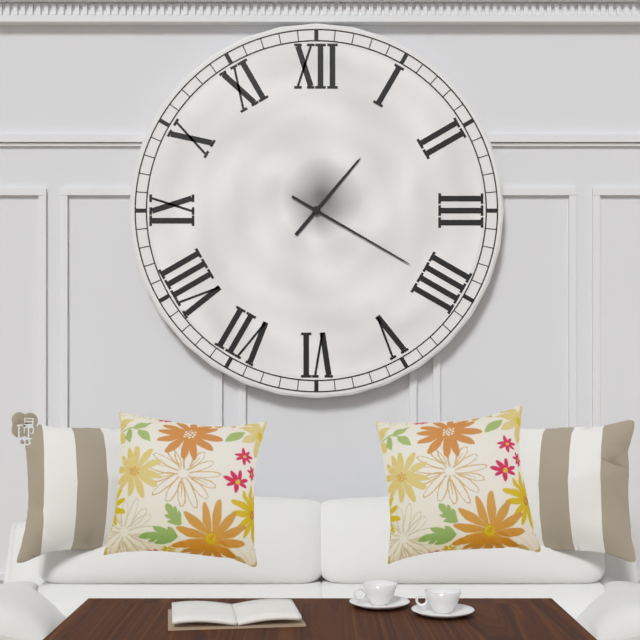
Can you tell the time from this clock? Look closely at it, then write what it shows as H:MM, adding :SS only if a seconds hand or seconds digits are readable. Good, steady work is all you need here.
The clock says 1:20
